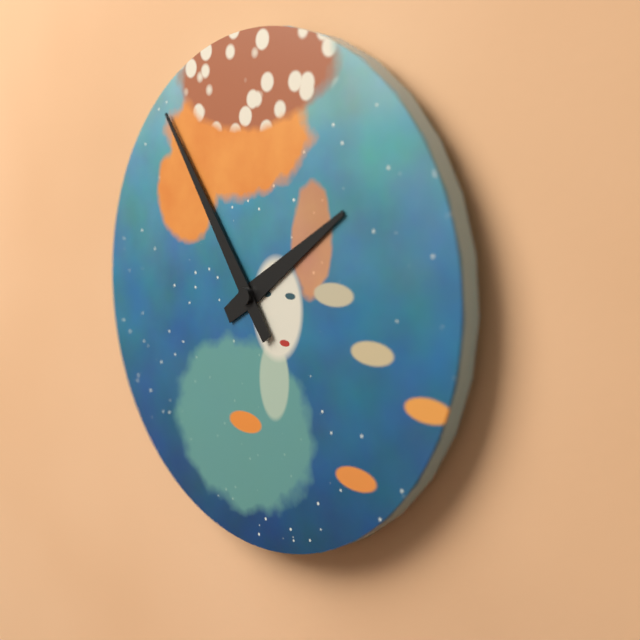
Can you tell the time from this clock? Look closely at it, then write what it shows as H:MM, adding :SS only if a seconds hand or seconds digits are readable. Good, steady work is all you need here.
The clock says 1:54
